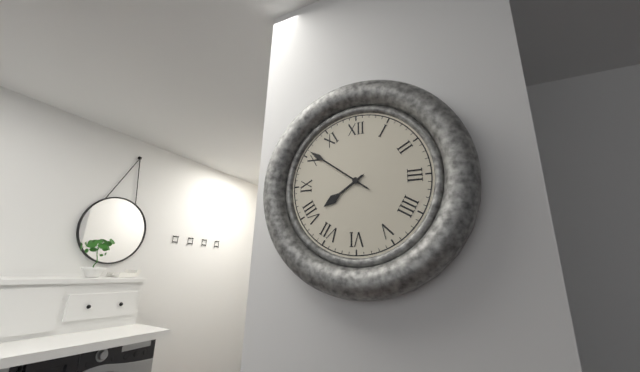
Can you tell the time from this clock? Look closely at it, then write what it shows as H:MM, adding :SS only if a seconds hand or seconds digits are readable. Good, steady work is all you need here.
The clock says 7:51
